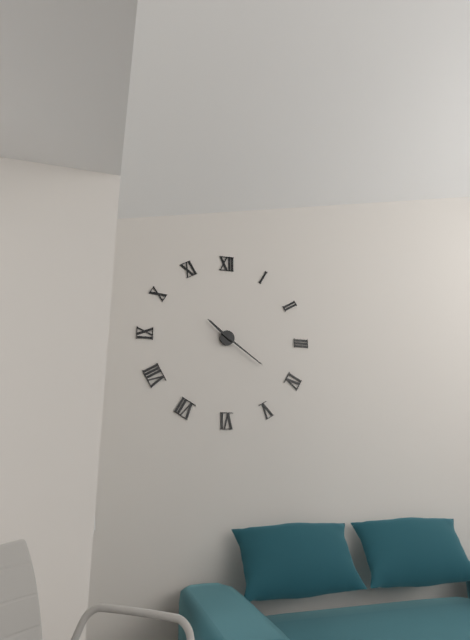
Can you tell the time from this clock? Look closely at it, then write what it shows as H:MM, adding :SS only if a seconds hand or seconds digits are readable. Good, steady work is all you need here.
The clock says 10:21
